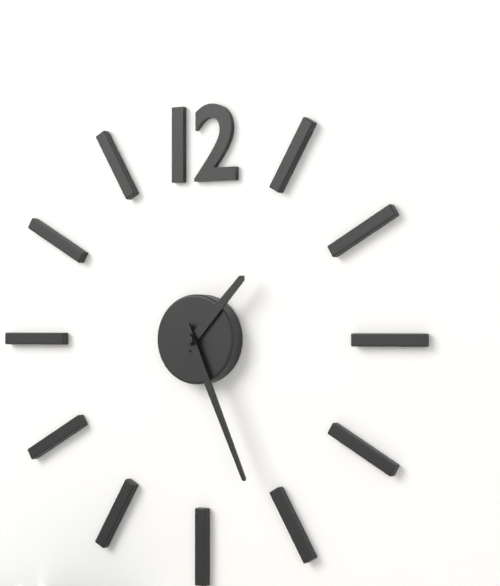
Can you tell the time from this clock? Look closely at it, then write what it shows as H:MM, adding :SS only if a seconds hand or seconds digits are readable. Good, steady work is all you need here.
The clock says 1:26
